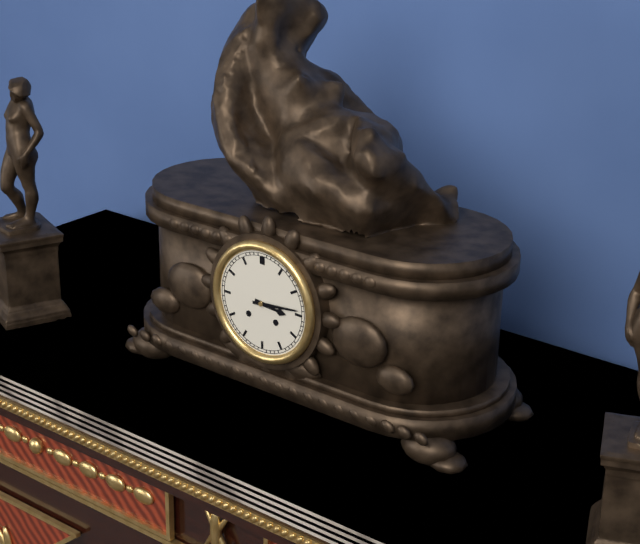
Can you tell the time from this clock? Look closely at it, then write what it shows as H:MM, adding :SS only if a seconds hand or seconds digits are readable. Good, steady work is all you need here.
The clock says 3:14
